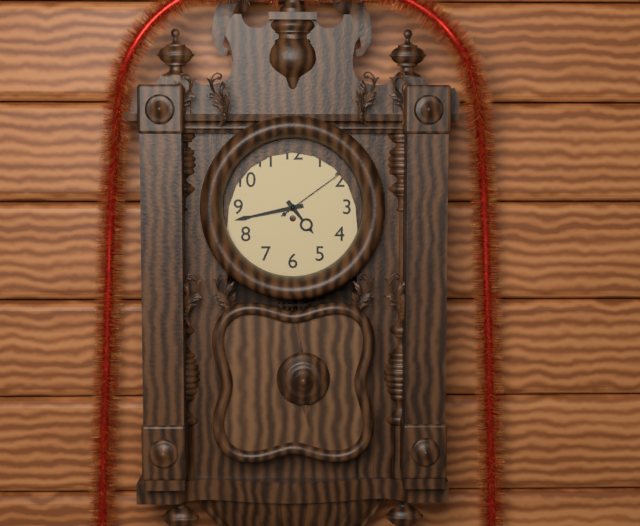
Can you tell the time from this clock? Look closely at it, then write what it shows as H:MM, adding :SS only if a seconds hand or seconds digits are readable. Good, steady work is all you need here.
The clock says 4:43:09
